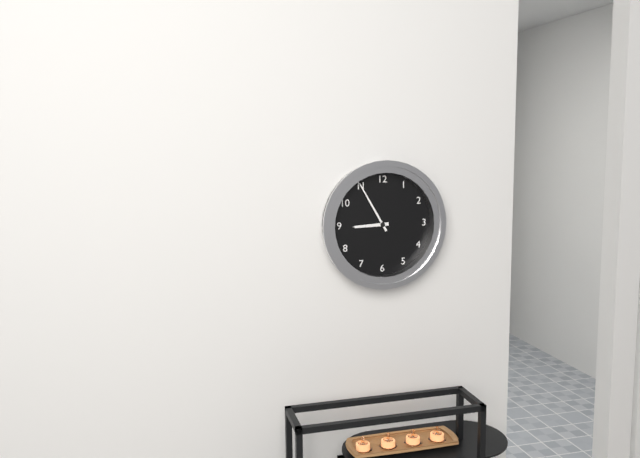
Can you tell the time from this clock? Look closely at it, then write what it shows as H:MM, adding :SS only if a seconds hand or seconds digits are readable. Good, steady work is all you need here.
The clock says 8:55
